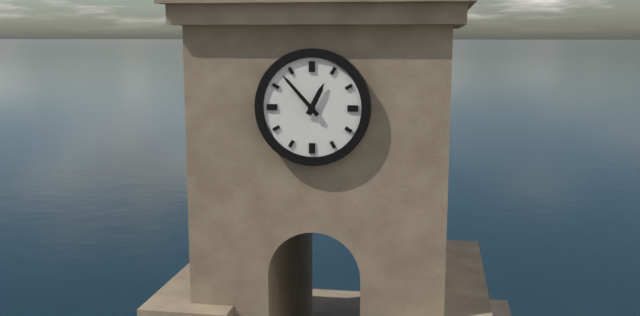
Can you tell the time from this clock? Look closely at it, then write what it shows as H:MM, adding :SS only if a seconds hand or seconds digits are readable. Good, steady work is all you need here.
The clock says 12:53
